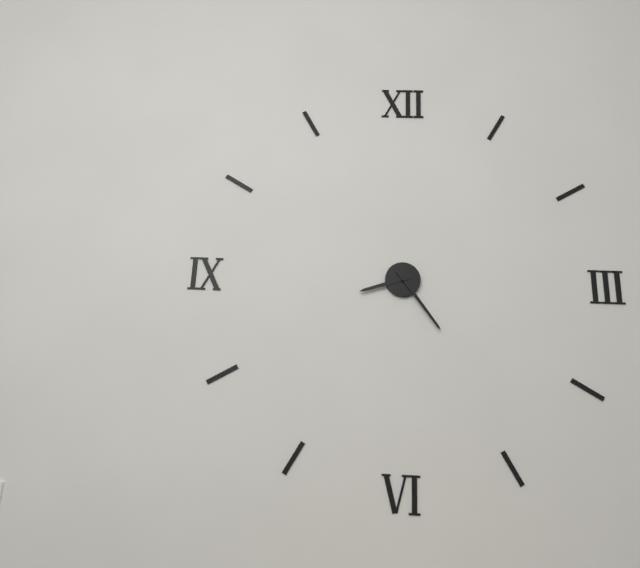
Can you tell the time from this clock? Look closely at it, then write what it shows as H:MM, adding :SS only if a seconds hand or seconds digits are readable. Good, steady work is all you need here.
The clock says 8:24
